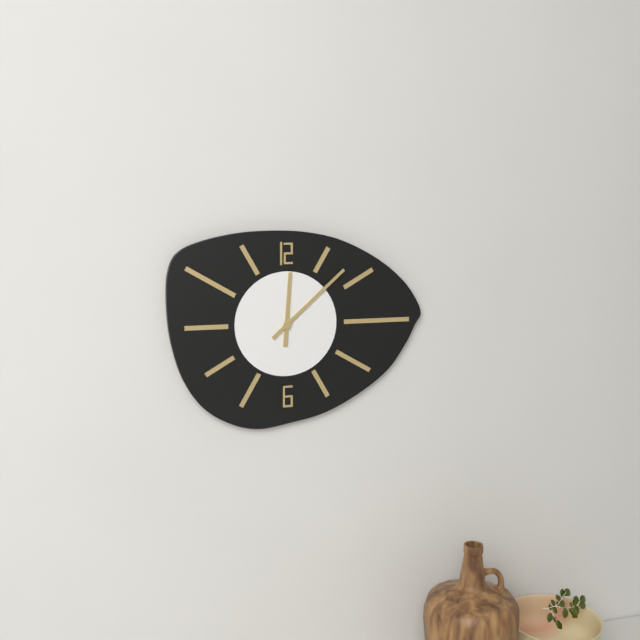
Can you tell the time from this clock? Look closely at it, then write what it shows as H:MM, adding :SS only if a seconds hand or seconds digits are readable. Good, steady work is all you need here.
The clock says 12:08
